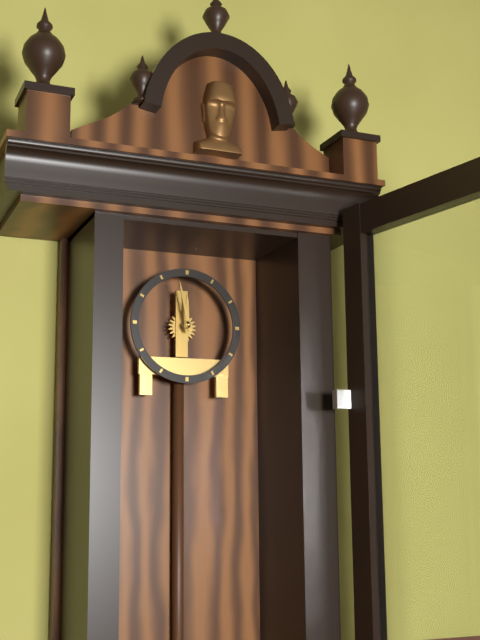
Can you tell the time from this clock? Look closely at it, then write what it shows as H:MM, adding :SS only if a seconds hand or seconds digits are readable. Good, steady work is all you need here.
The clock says 11:58
